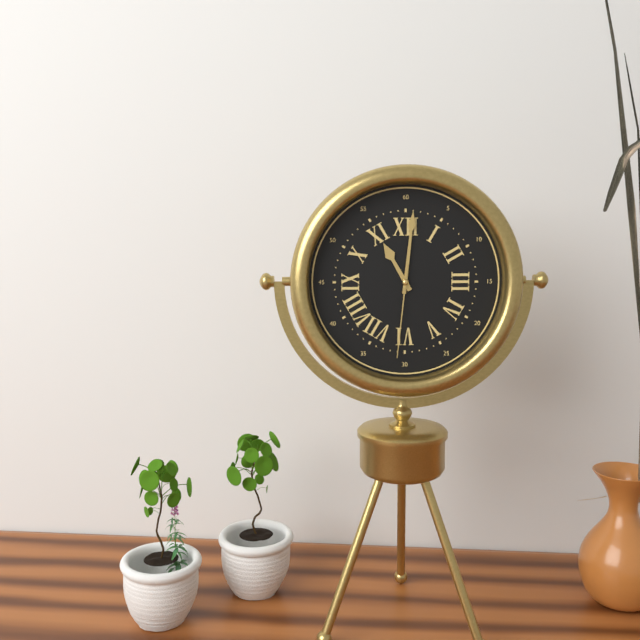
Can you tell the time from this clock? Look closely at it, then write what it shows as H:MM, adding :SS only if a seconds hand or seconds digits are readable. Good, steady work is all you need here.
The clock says 11:01:31
